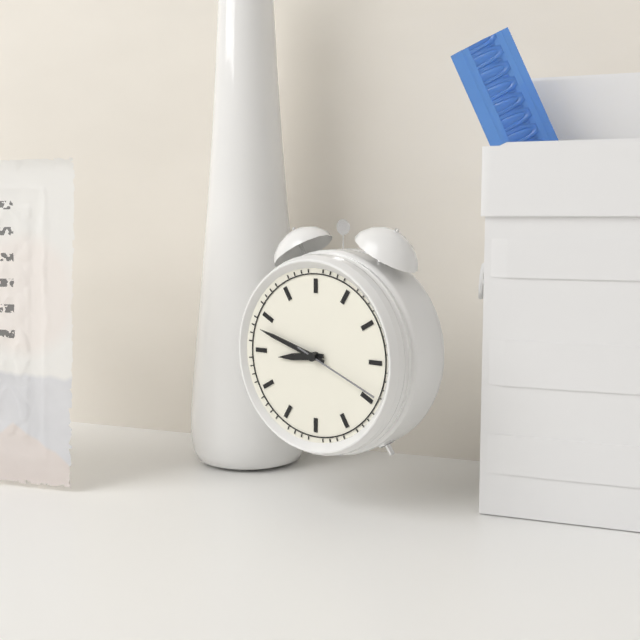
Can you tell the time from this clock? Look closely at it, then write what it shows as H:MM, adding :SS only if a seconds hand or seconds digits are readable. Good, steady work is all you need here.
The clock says 8:48:19
